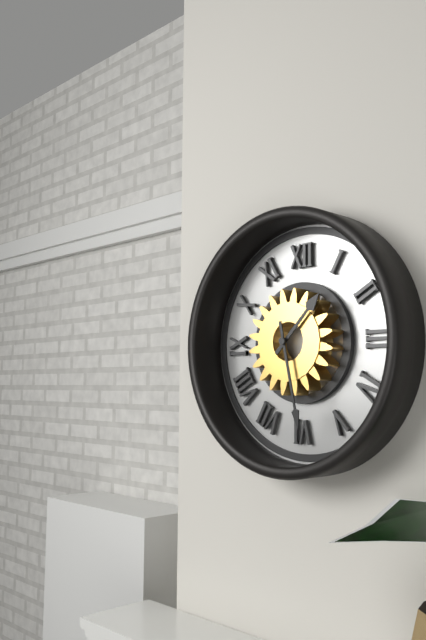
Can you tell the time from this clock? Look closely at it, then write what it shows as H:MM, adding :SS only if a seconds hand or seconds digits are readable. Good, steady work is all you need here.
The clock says 1:28
